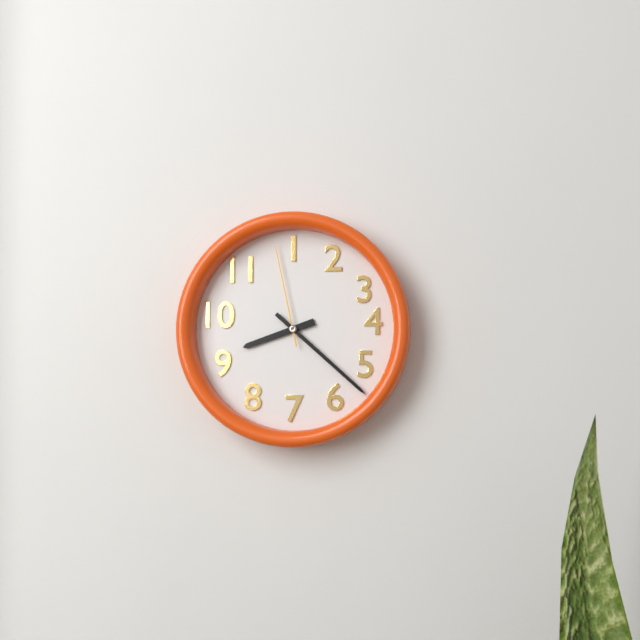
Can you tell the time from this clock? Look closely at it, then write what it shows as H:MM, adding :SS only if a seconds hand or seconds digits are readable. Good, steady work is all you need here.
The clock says 8:22:58
